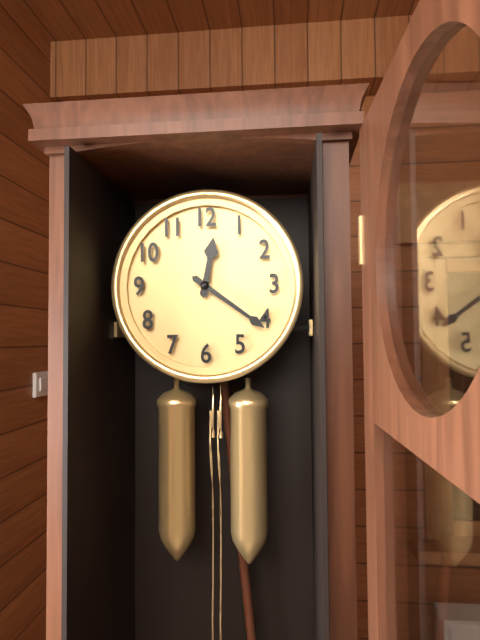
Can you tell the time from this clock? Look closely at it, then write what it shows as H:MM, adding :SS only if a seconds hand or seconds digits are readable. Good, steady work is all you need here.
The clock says 12:21
